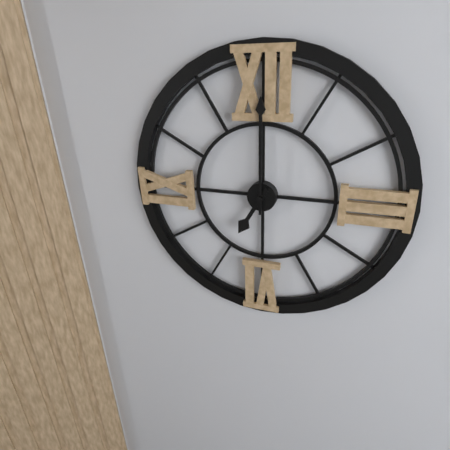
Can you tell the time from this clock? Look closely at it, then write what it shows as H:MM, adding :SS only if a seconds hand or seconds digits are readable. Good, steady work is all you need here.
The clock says 7:00
